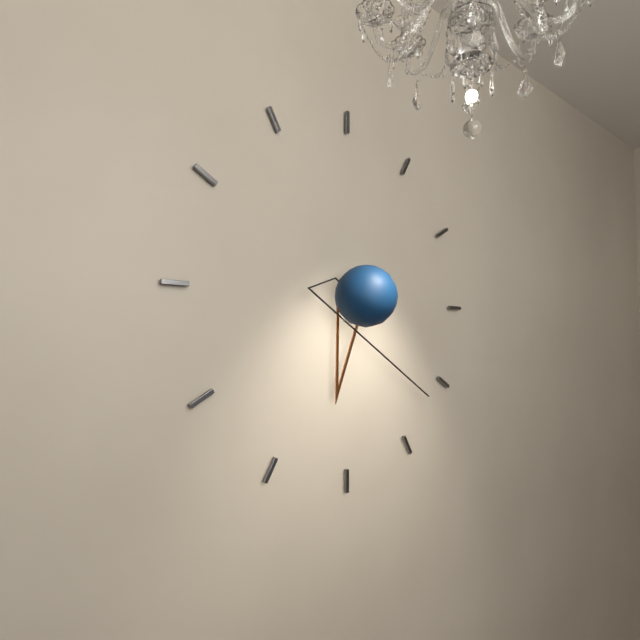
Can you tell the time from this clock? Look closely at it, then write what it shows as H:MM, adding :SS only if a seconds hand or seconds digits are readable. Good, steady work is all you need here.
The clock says 6:22
